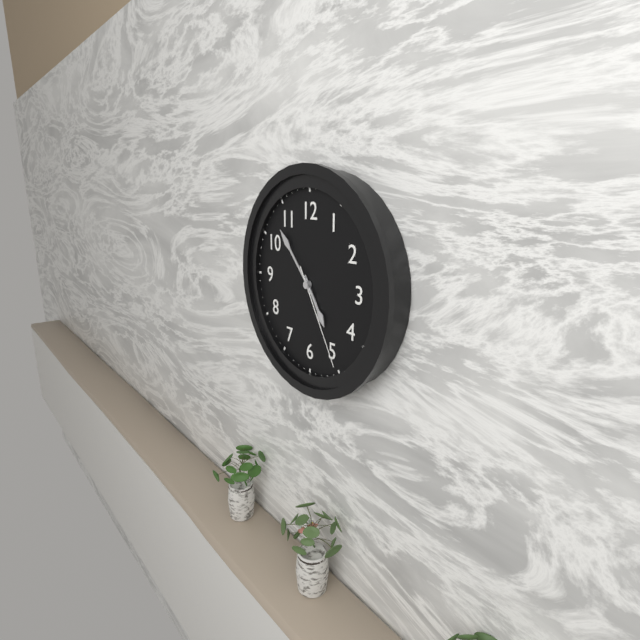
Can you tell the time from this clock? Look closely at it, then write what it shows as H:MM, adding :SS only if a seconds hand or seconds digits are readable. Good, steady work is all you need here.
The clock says 4:53:25
